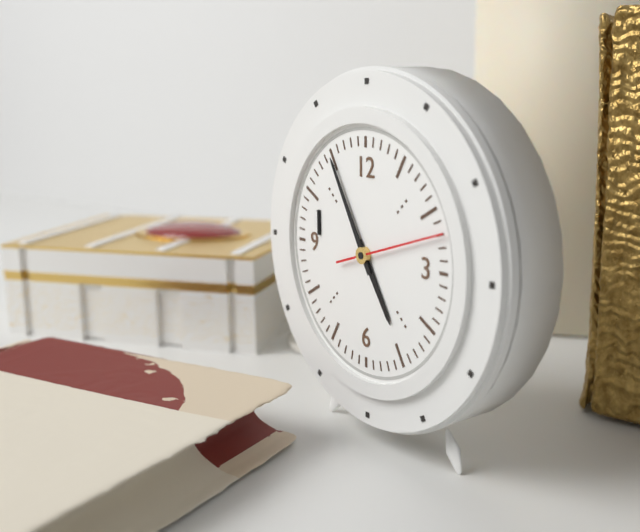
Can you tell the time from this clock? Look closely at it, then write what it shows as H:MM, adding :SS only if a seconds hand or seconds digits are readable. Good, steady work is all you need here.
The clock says 4:55:12
